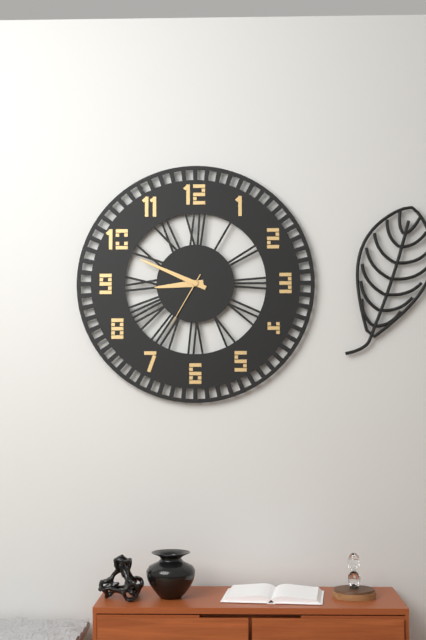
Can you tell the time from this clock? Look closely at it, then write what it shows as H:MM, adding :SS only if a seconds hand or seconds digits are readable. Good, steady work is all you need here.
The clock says 8:49:35
